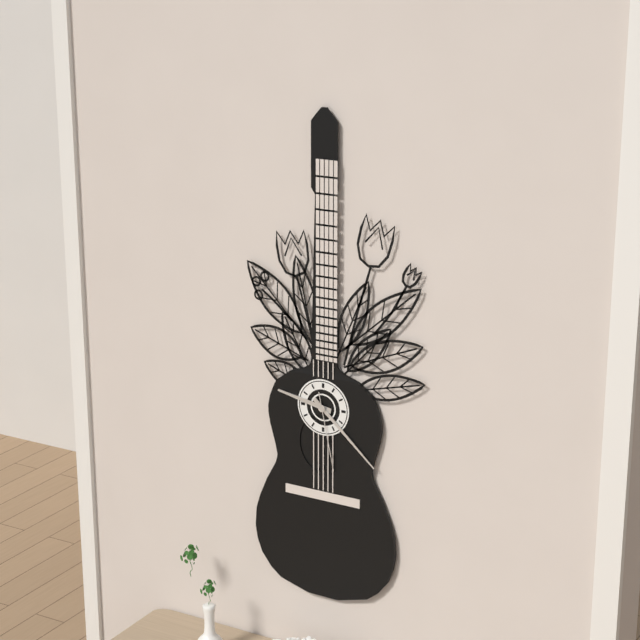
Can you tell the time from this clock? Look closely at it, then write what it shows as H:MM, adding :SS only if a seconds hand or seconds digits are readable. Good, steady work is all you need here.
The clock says 9:22:28
